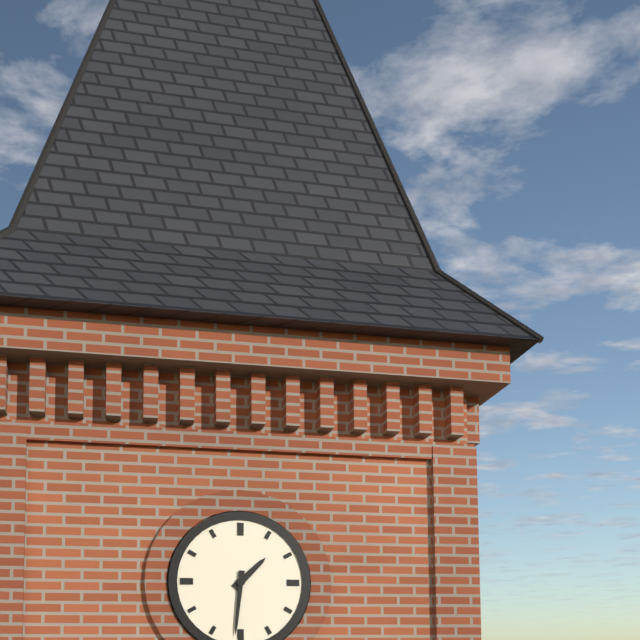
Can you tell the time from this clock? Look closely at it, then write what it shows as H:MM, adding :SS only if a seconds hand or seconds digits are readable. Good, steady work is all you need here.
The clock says 1:31
